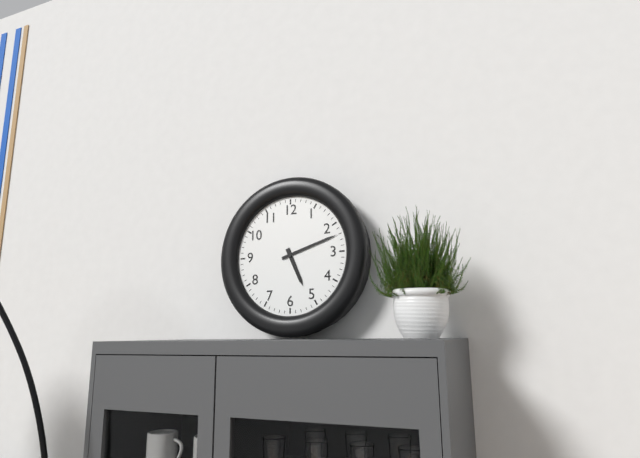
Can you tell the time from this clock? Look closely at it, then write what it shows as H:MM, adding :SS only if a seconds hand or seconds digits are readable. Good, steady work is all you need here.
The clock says 5:12
